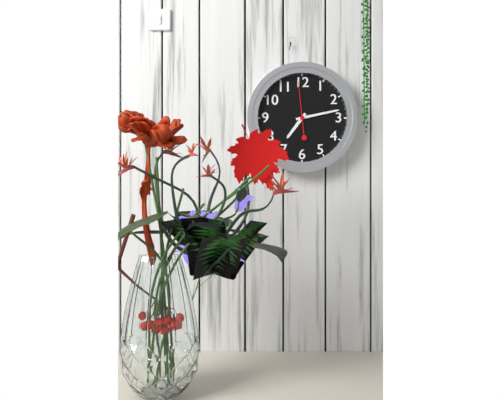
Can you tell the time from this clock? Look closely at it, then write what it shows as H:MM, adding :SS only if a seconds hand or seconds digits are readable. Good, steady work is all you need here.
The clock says 7:13
